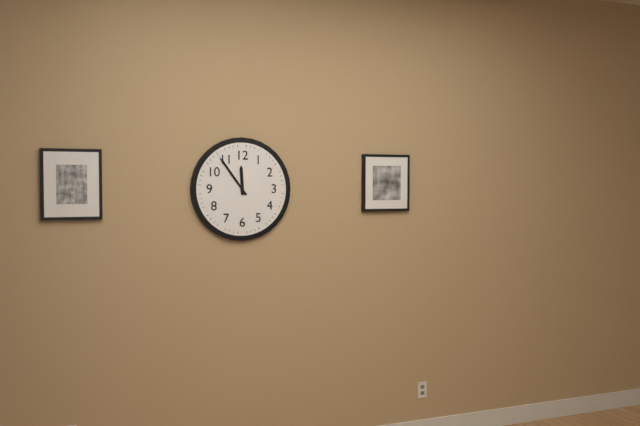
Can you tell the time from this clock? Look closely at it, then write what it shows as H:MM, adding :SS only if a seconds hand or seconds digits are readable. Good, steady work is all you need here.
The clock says 11:54
